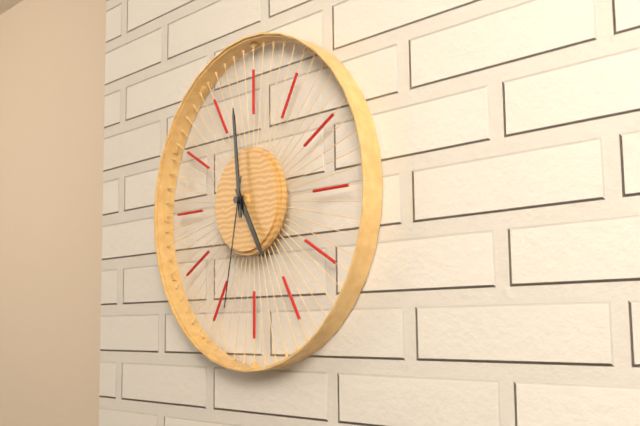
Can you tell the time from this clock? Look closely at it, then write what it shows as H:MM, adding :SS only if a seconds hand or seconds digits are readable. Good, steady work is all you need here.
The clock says 4:59:32
